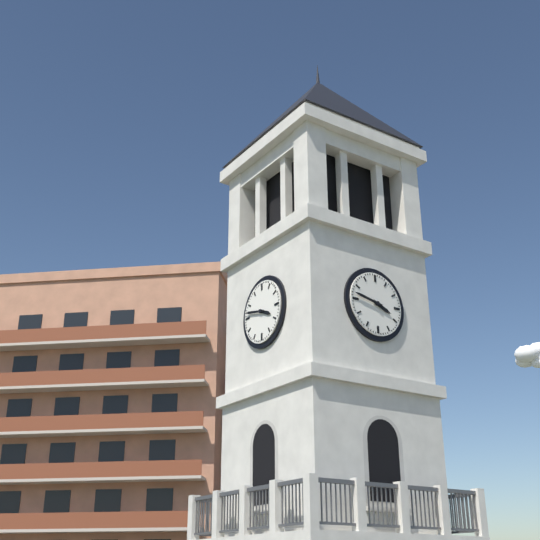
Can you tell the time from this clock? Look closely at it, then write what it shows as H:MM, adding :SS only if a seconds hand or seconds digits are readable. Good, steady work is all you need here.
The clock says 3:47
